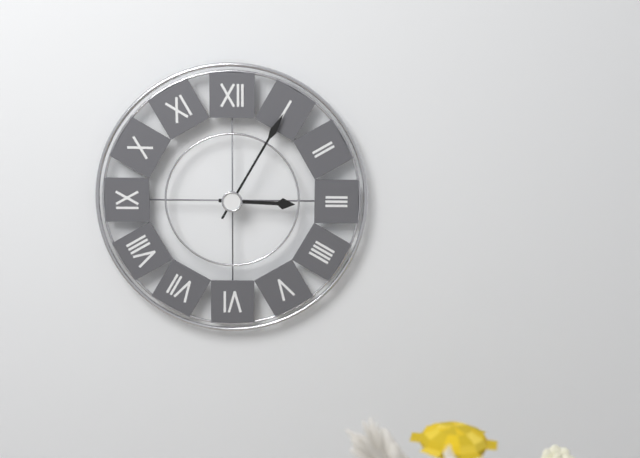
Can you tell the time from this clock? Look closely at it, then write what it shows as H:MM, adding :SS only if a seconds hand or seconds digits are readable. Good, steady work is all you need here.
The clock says 3:05
